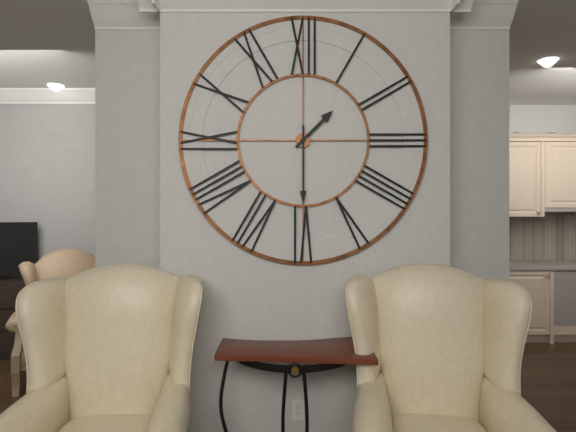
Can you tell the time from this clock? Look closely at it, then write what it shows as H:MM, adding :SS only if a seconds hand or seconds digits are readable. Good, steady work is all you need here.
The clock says 1:30
